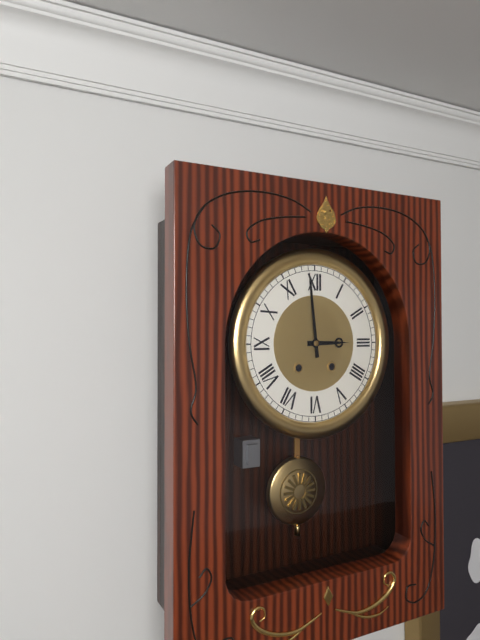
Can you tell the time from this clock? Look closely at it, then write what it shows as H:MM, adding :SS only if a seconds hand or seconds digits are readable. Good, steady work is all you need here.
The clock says 2:59
